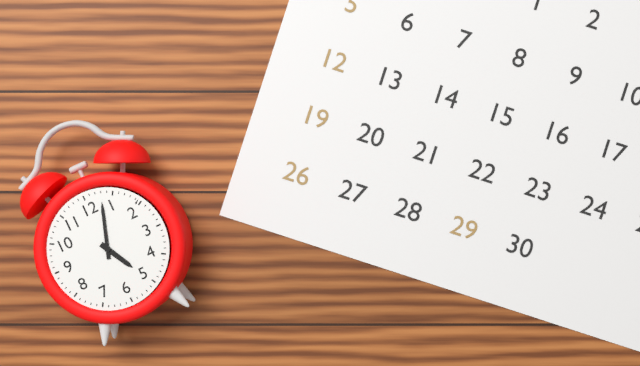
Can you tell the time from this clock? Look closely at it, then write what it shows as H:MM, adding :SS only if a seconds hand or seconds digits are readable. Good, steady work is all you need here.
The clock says 5:03
